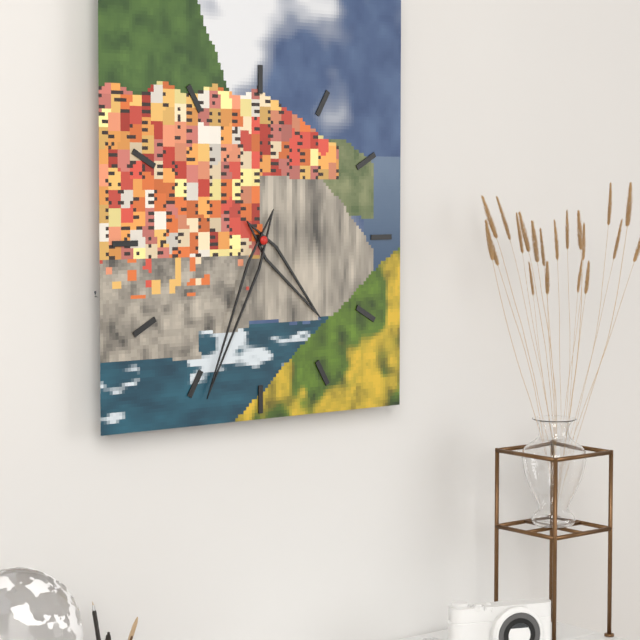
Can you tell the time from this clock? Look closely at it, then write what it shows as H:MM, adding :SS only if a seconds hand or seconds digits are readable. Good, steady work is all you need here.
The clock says 4:34
